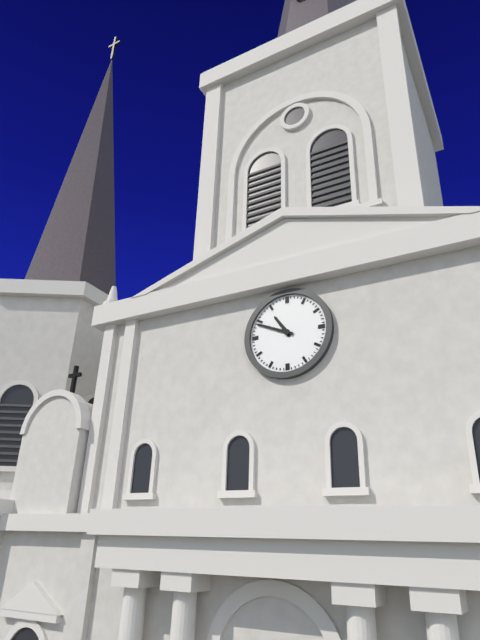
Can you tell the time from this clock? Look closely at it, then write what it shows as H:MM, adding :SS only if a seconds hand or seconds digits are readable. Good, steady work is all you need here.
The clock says 10:49
